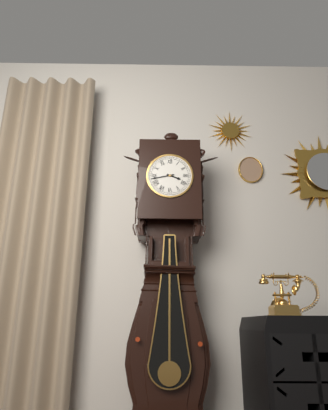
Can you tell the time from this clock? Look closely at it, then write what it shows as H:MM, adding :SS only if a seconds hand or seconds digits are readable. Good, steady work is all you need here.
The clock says 3:43
